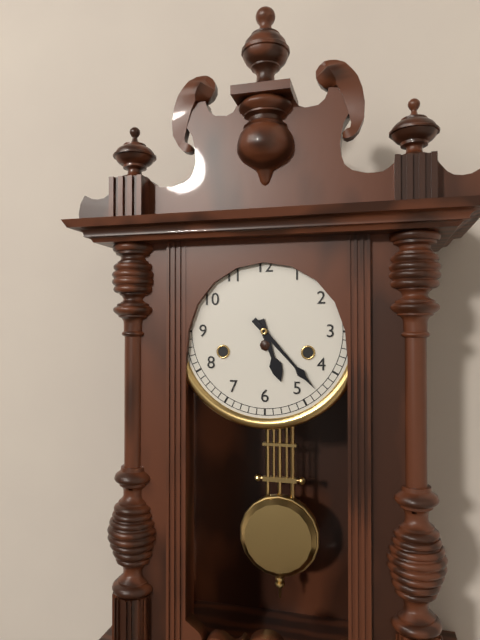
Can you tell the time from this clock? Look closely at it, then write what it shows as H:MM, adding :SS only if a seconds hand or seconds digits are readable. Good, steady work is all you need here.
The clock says 5:23
